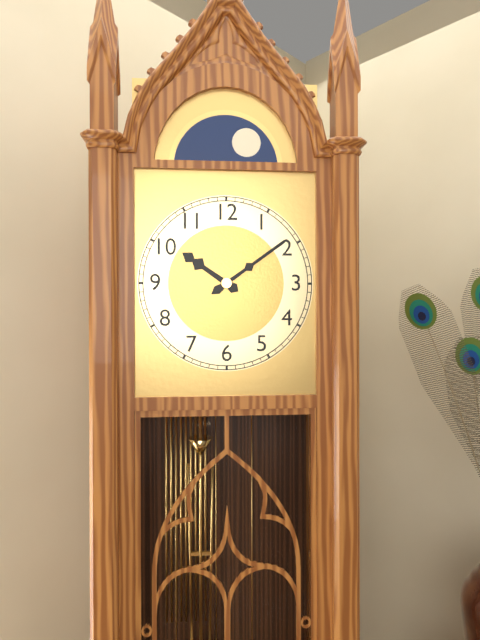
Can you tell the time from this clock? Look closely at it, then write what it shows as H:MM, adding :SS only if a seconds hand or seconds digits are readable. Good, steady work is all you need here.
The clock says 10:09
